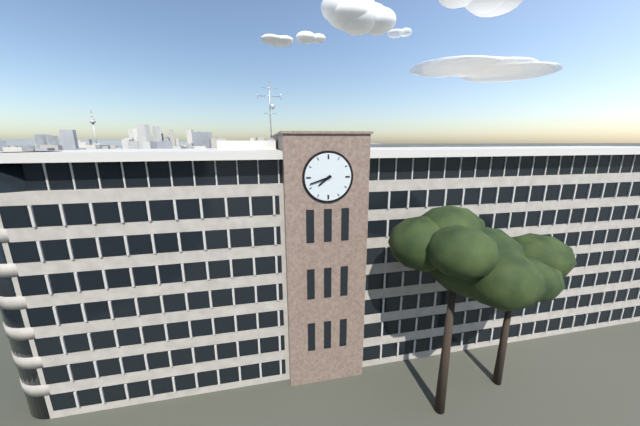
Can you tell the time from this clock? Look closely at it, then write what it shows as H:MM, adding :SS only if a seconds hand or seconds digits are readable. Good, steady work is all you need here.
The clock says 7:42
